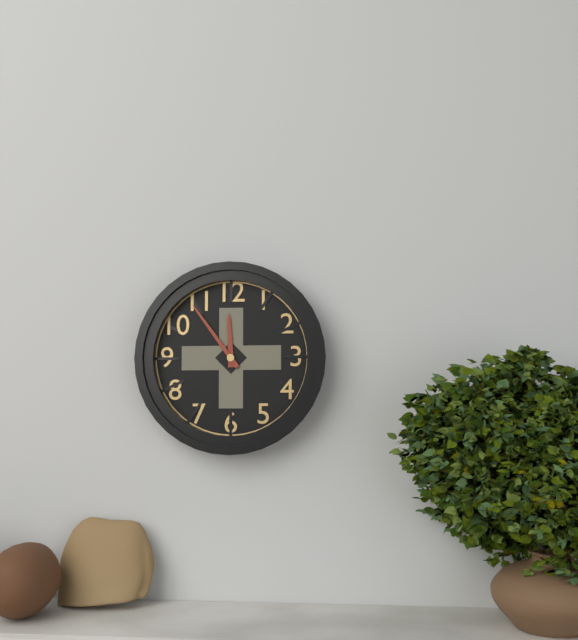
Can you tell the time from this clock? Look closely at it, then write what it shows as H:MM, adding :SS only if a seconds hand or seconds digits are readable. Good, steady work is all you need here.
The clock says 11:54
